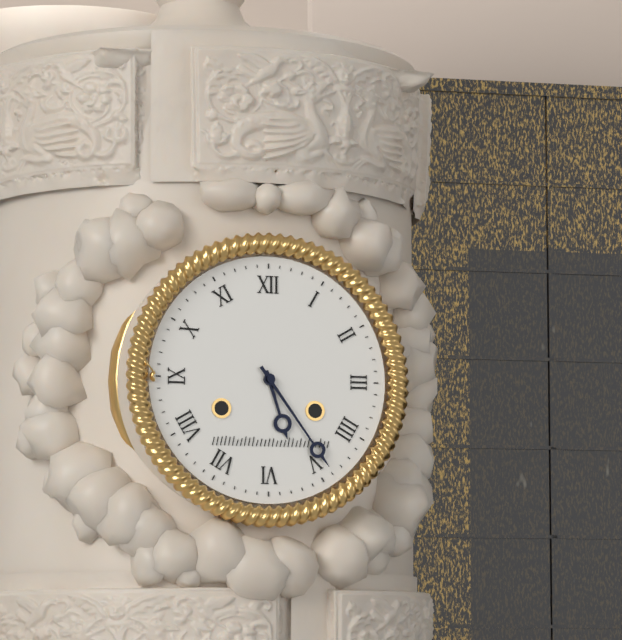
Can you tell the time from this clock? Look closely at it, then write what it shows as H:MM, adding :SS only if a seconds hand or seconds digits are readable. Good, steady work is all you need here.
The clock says 5:24
